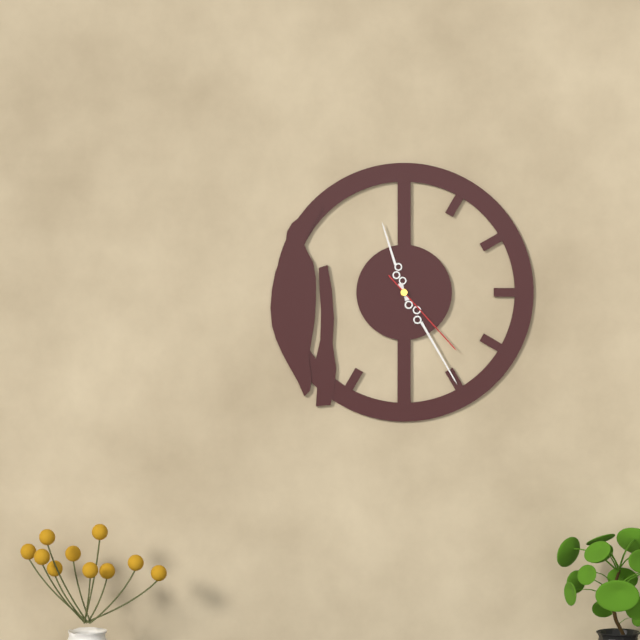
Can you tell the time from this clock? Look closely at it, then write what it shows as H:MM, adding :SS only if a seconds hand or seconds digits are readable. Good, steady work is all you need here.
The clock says 11:25:23
